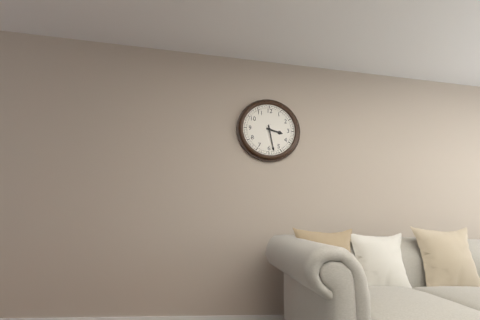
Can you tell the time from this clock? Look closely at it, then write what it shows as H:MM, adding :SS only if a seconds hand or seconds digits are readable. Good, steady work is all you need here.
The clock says 3:28
